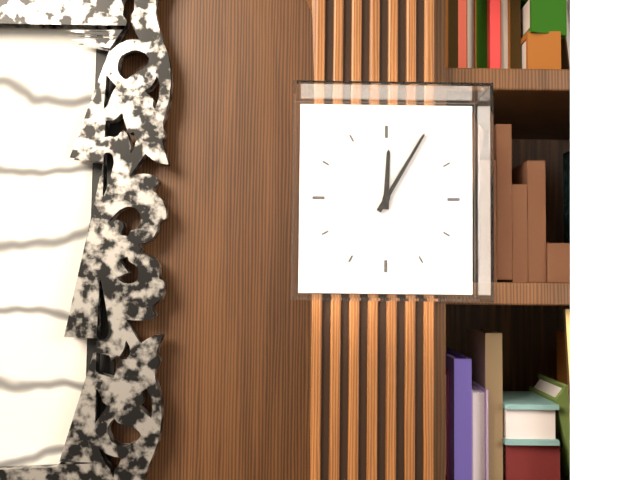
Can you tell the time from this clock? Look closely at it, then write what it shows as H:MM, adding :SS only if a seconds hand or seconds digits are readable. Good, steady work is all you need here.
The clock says 12:05
